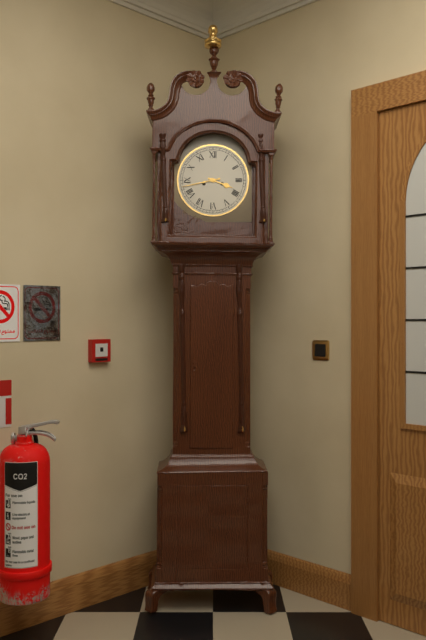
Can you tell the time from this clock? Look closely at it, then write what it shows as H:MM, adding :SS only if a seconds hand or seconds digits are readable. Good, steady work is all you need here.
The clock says 3:43
